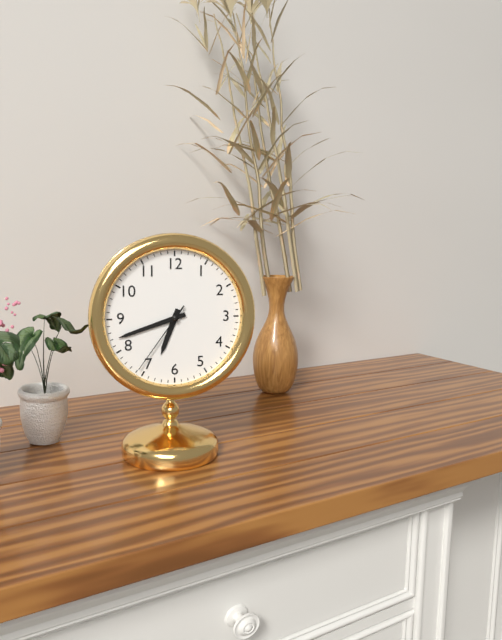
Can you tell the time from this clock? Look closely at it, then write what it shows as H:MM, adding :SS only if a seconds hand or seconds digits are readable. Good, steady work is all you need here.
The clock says 6:42:36
